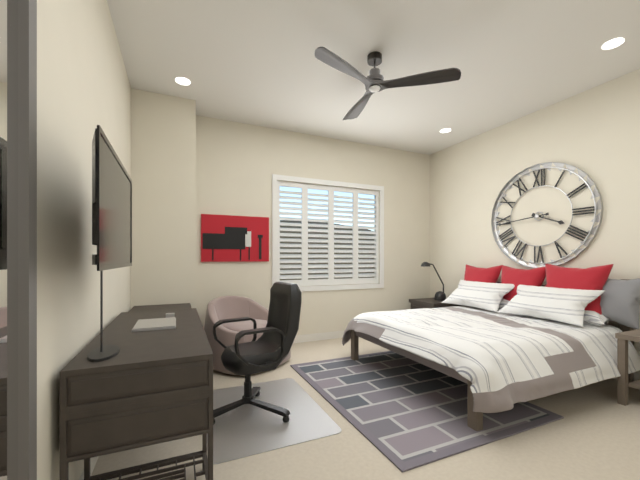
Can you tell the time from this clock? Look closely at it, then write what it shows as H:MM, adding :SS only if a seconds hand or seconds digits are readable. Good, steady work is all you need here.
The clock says 3:44
